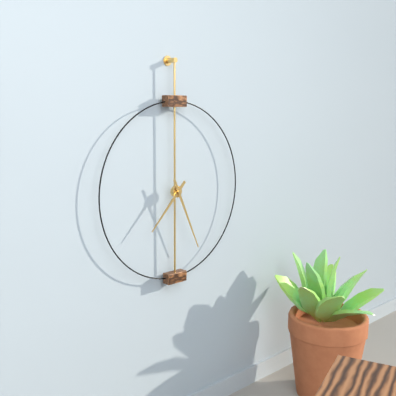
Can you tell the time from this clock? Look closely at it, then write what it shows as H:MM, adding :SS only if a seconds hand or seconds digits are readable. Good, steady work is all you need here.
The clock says 7:26
